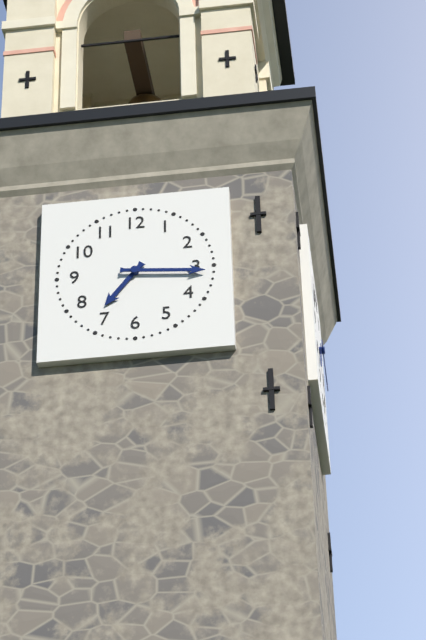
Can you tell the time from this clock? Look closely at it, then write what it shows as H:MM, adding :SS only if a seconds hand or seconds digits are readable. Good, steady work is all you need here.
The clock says 7:16
